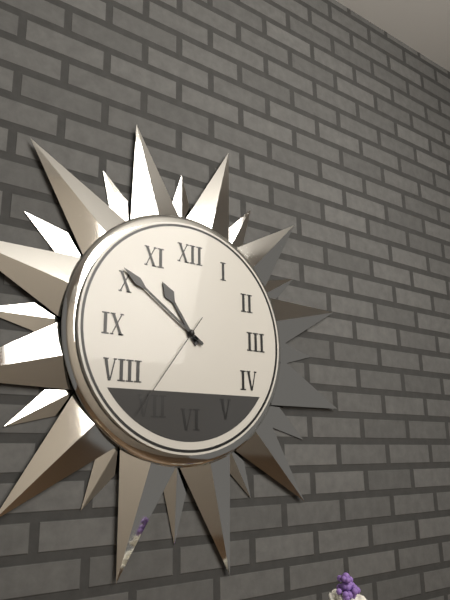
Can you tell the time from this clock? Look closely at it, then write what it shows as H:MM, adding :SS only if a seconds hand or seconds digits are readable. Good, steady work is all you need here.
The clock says 10:51:36
